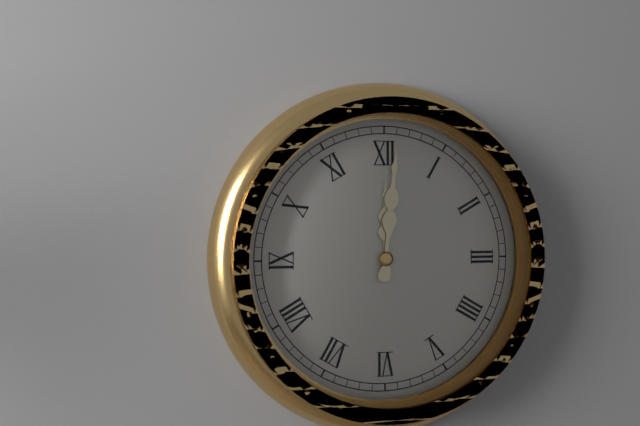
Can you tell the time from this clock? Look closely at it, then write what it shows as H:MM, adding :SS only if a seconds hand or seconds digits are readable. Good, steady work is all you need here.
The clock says 12:01
